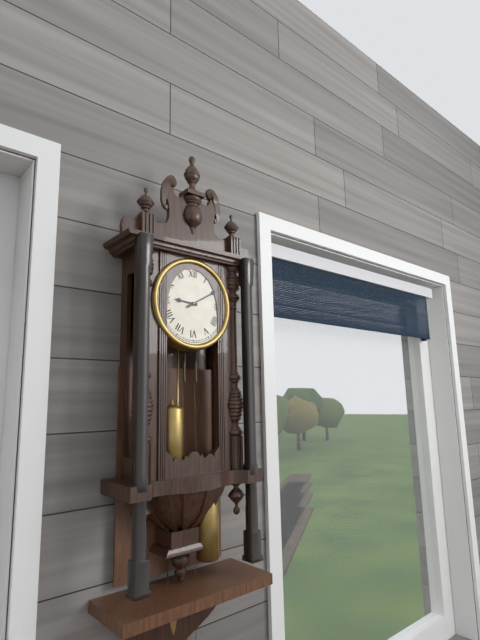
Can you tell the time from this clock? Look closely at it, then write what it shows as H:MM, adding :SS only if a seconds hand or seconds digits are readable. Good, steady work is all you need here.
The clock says 9:10
